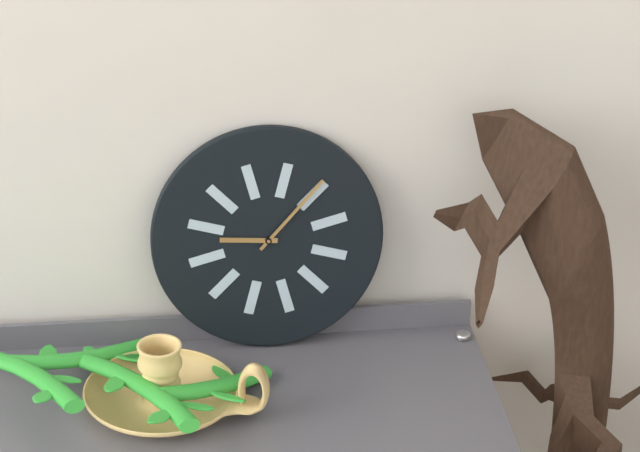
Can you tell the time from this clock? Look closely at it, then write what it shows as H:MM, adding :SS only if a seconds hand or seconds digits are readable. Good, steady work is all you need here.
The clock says 9:07
